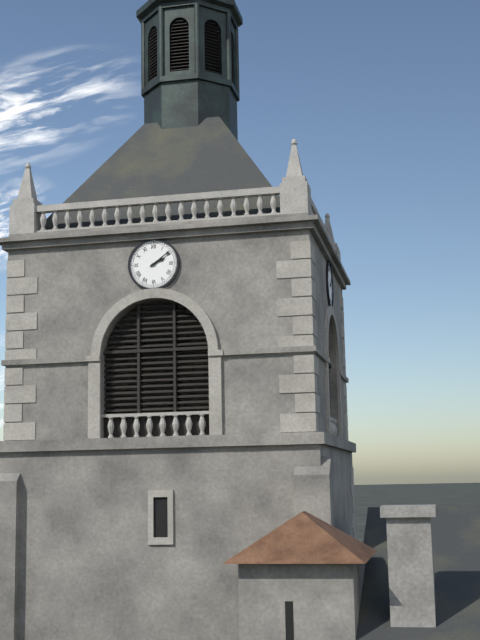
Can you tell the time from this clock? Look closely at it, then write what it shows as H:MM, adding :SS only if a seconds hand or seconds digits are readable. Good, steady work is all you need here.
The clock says 2:09
